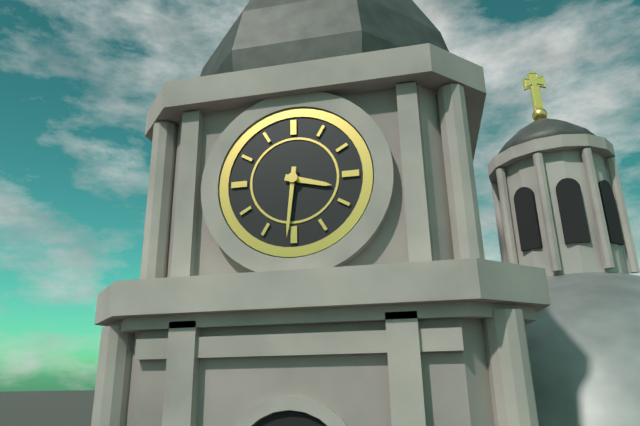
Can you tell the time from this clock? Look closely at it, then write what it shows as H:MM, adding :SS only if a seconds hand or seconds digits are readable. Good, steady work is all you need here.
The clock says 3:31
